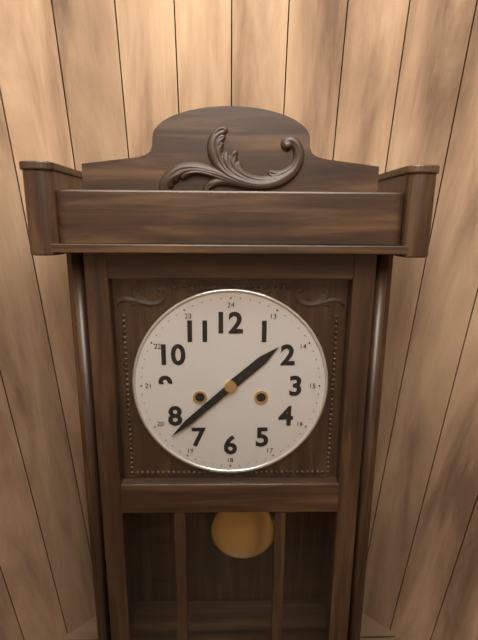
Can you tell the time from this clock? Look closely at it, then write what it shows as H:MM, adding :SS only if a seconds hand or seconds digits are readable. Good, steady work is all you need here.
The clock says 1:38
